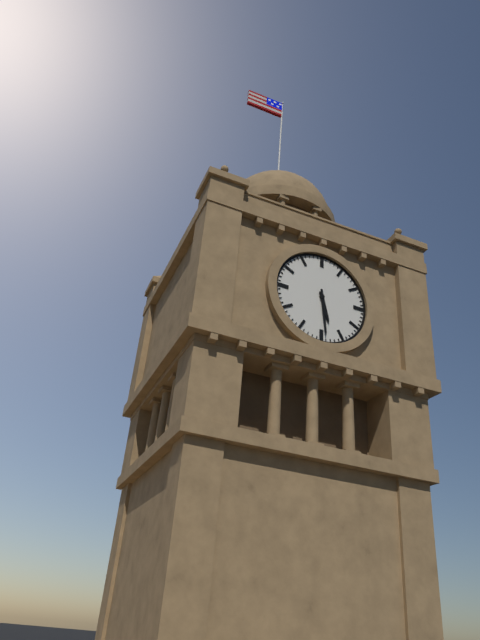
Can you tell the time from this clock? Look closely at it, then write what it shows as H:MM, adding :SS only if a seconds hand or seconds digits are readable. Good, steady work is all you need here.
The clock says 5:29
